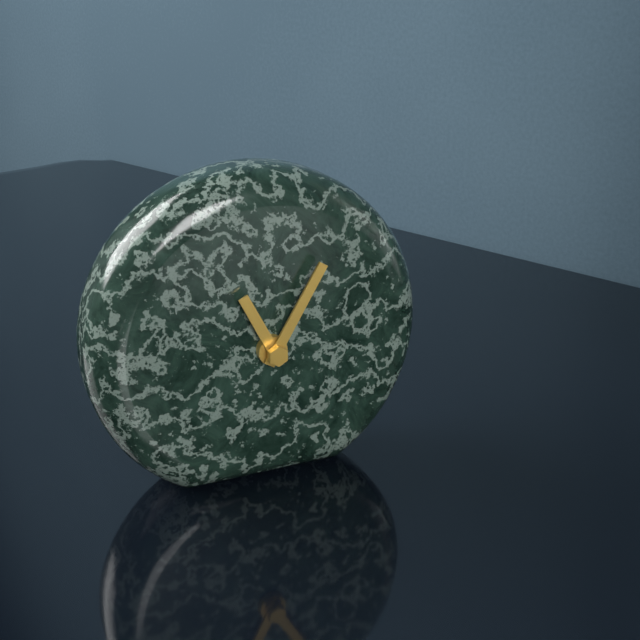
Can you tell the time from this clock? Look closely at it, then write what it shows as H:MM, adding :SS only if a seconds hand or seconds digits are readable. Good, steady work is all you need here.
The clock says 11:05
